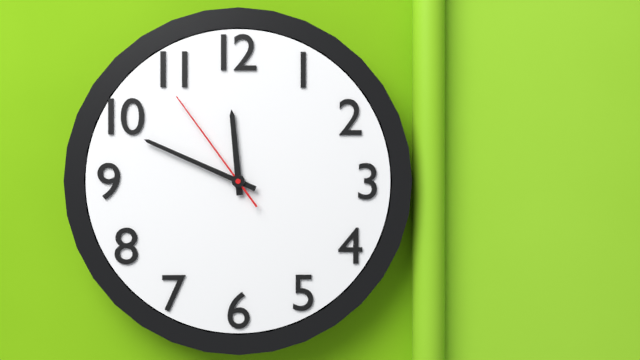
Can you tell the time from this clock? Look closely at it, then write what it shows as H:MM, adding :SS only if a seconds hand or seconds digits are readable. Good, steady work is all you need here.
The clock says 11:49:54
